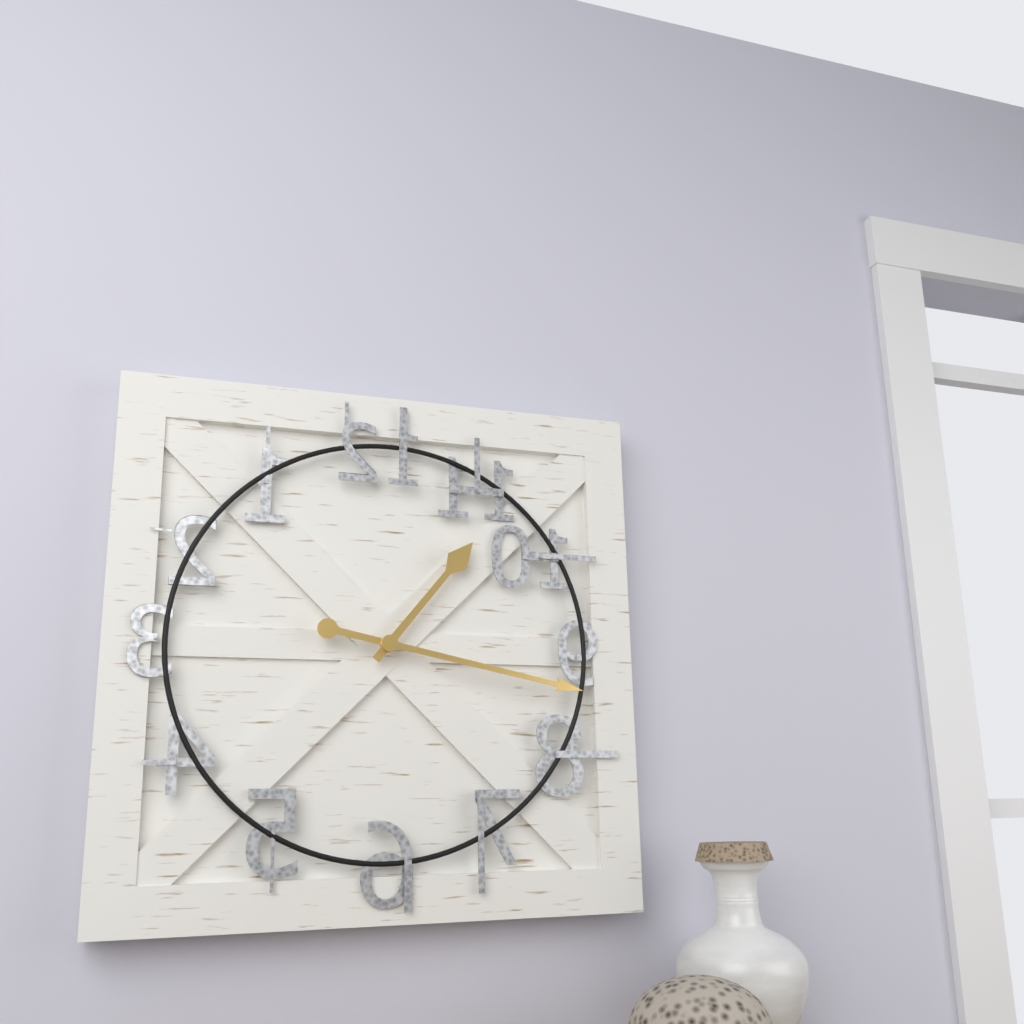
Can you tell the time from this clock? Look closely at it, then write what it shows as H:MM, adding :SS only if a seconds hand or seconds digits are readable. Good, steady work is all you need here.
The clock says 1:17
